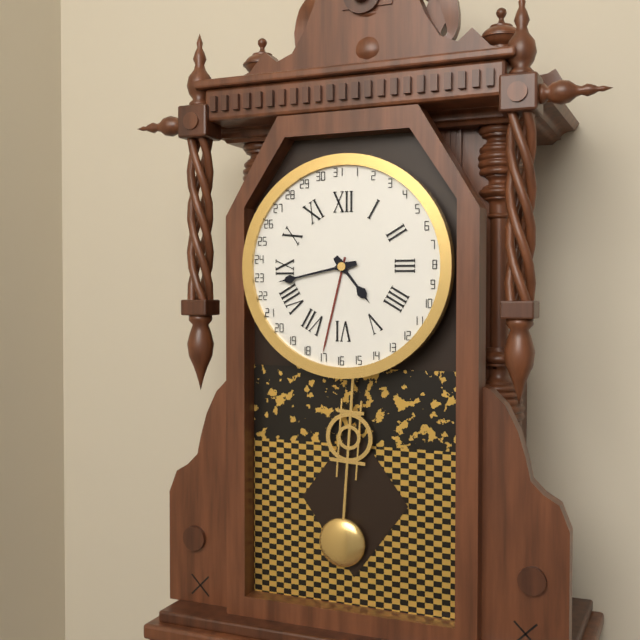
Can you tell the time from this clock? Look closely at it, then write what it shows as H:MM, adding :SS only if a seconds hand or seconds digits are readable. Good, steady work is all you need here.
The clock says 4:43
